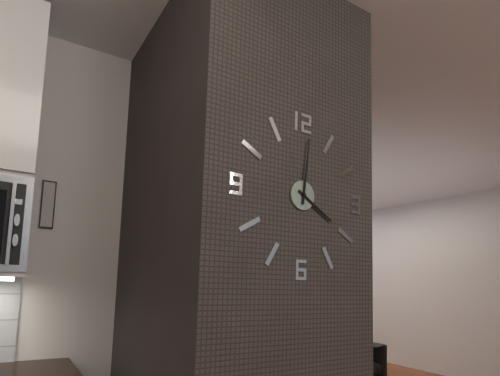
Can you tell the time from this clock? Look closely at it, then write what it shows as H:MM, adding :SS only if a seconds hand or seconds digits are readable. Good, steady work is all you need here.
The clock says 4:01
